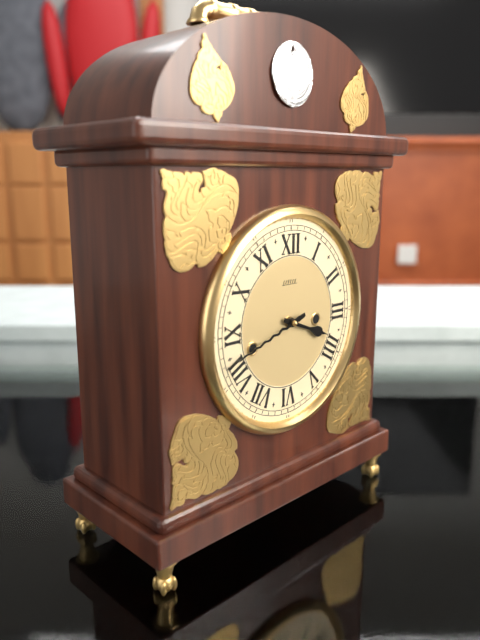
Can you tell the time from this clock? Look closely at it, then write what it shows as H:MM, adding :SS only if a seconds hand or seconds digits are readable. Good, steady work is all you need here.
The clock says 3:42
